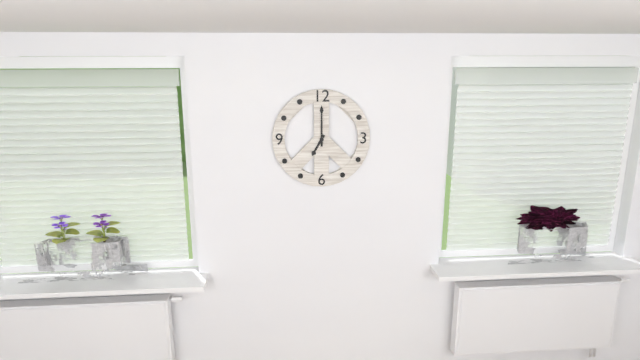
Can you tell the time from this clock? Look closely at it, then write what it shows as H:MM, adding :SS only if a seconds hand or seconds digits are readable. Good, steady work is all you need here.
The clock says 7:00
